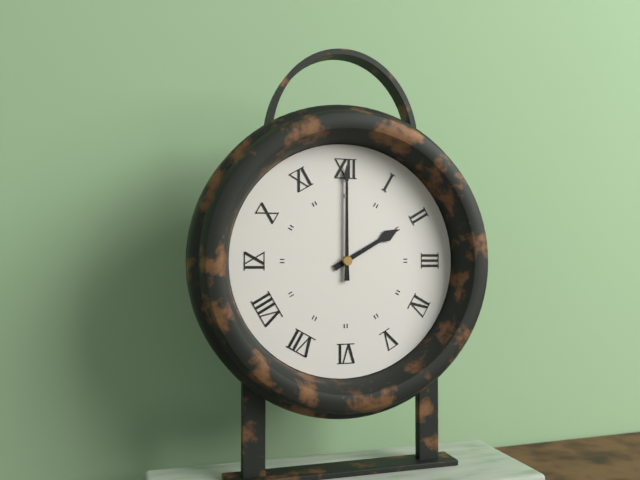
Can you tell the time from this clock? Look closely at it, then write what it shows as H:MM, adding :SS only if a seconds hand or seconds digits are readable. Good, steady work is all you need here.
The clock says 2:00
